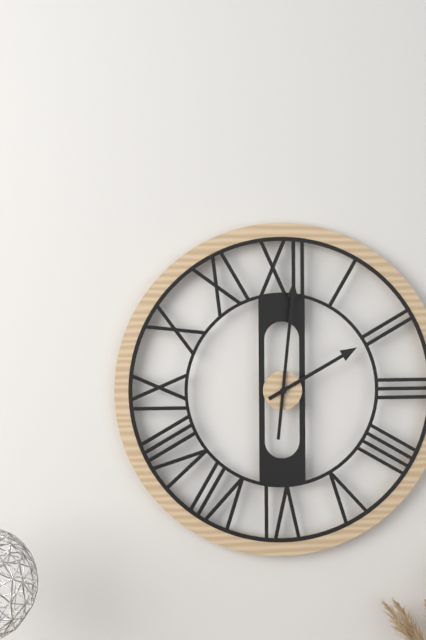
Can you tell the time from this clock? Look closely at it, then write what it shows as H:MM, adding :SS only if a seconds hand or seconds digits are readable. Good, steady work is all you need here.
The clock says 2:01
